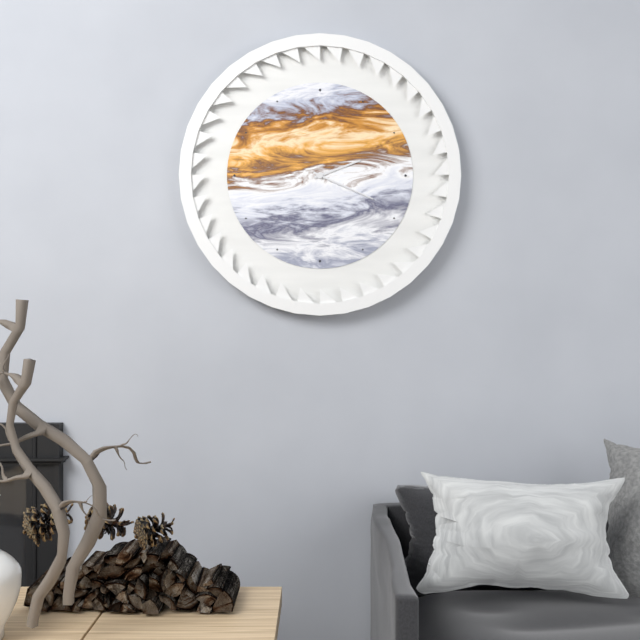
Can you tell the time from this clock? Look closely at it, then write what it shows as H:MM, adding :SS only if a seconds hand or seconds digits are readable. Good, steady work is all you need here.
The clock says 2:19
